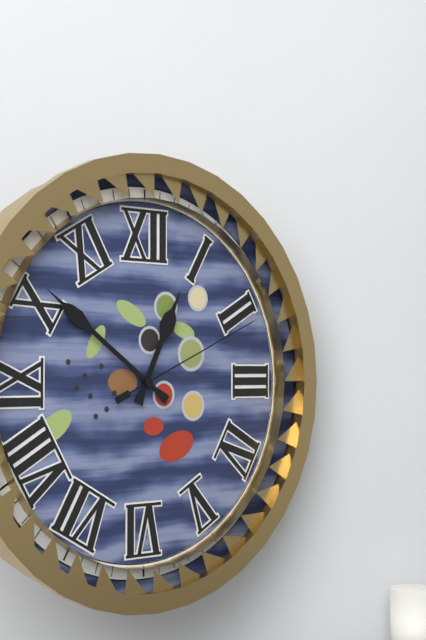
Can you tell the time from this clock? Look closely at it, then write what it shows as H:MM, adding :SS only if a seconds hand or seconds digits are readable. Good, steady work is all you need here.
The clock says 12:51:11
